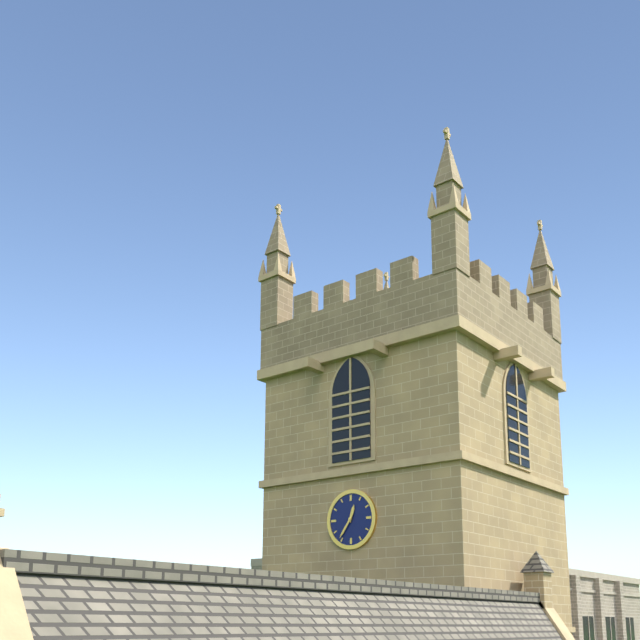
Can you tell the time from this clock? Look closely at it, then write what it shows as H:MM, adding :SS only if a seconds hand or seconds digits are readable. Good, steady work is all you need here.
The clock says 12:36
